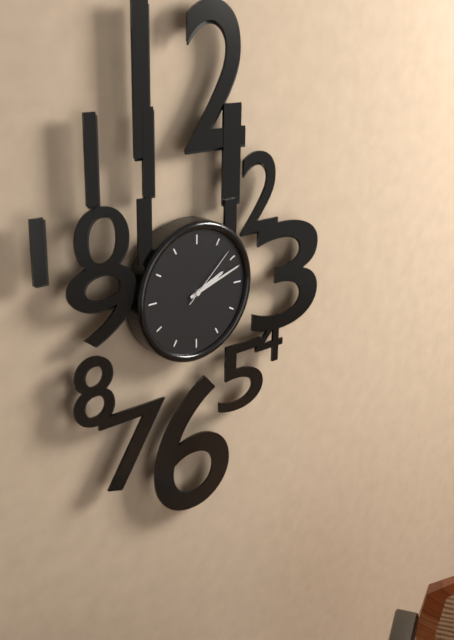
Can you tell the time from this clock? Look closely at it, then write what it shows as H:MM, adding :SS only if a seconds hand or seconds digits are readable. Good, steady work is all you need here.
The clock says 2:12:08
